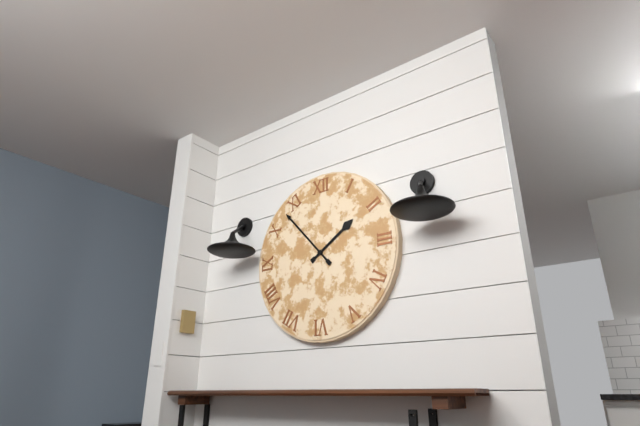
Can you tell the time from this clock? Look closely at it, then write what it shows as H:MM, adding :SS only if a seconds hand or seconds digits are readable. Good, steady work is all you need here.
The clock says 1:53
